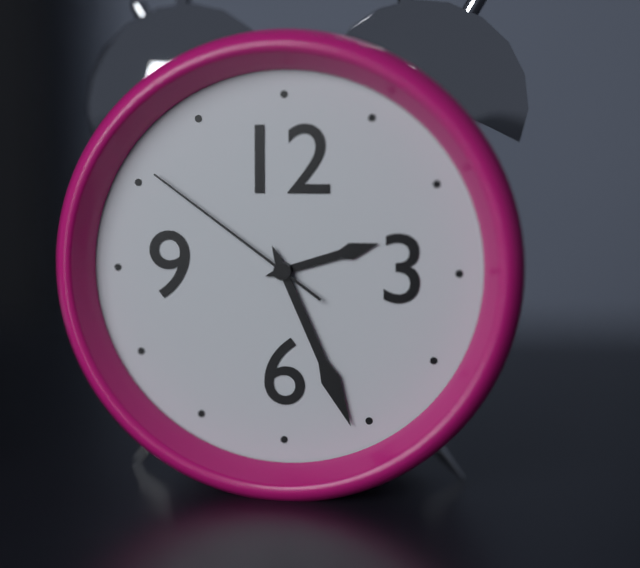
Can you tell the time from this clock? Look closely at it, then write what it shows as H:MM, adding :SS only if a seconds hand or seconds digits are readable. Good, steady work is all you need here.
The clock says 2:26:51
